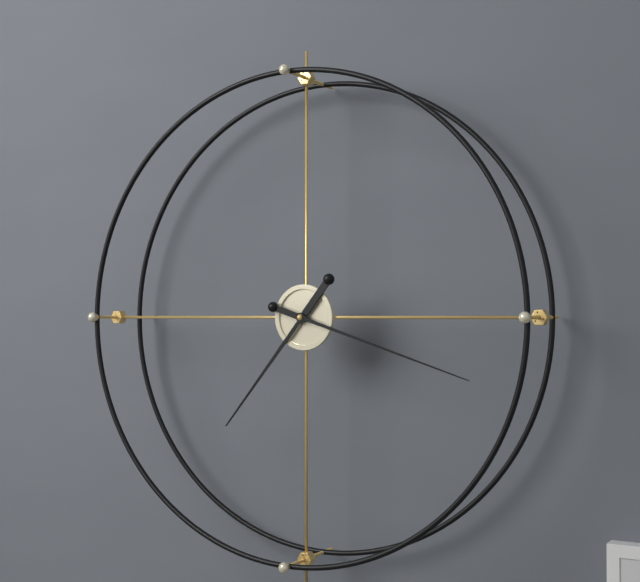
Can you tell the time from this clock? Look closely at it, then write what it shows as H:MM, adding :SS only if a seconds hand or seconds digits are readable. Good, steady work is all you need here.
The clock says 7:18
